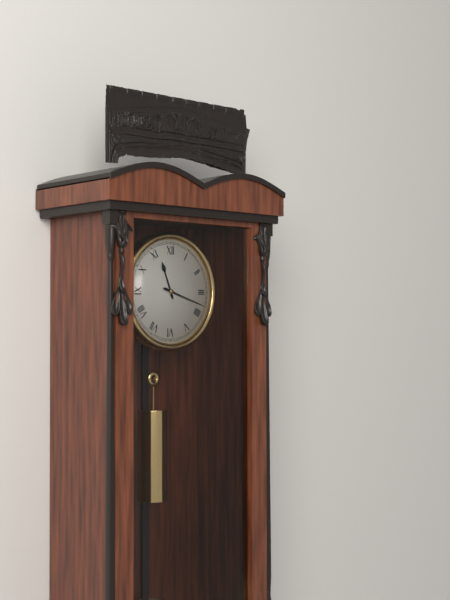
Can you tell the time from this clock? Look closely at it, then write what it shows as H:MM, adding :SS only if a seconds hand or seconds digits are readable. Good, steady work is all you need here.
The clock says 11:18
